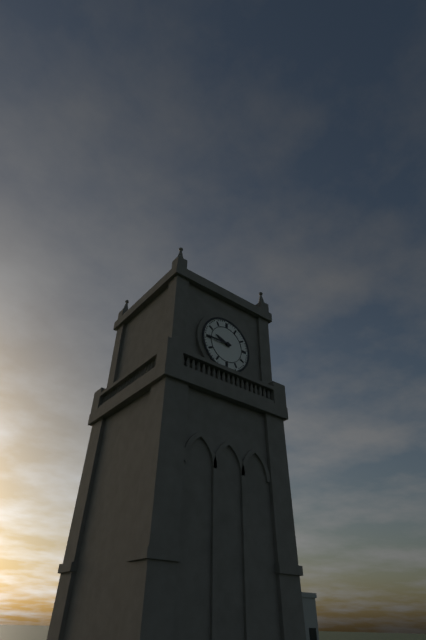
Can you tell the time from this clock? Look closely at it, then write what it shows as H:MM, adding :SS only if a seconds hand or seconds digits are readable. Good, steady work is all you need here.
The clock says 9:45
